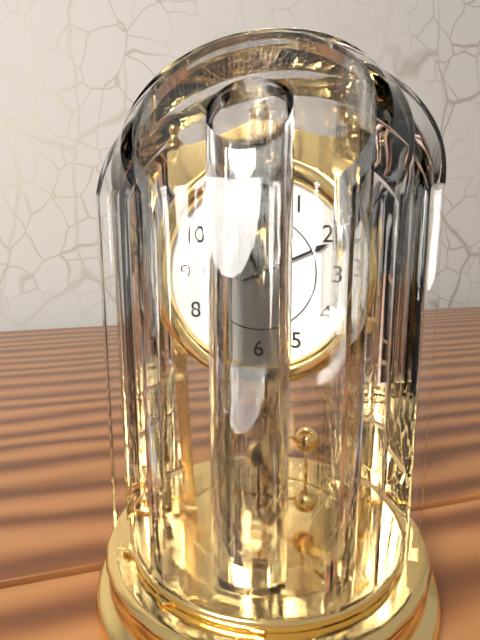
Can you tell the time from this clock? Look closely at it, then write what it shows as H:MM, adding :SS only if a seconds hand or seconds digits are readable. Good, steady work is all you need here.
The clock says 11:11
